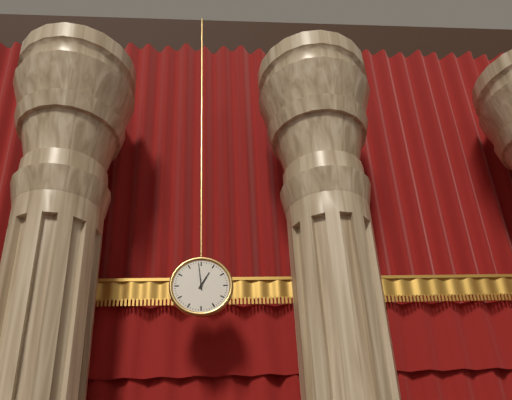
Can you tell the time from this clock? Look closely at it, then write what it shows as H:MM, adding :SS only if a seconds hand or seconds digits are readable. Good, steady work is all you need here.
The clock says 12:59
